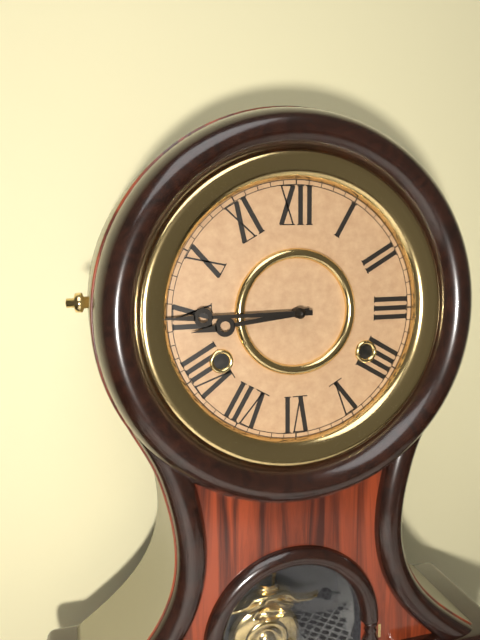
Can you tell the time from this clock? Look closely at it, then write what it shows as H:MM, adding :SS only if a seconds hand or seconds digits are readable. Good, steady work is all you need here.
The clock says 8:45
